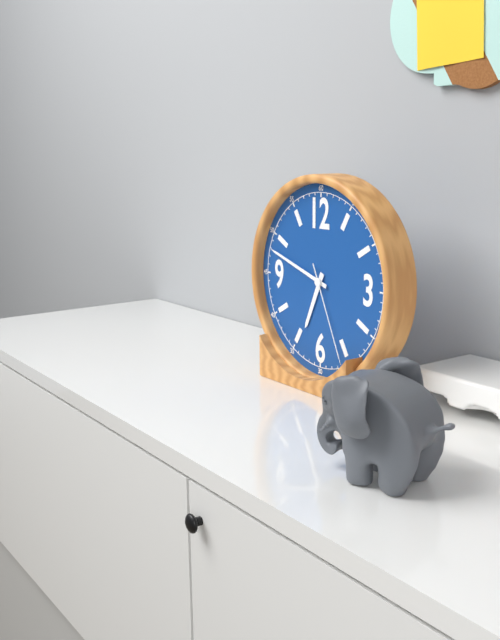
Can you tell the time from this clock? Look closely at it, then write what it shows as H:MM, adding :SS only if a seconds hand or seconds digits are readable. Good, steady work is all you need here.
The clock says 6:48:26
